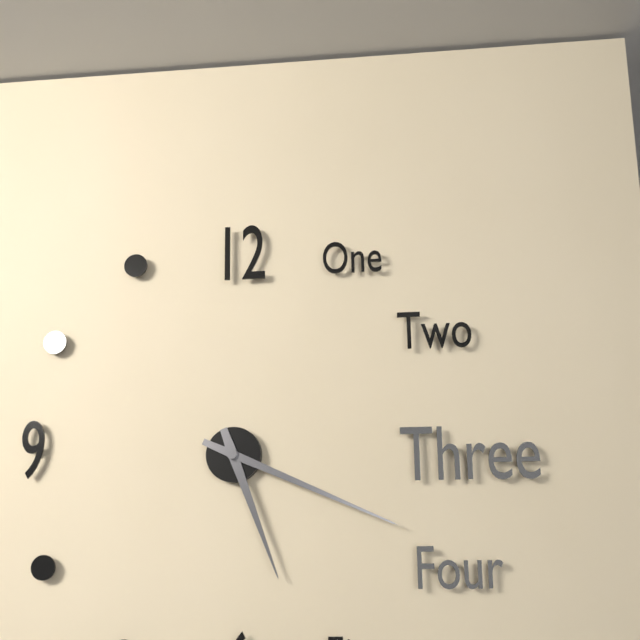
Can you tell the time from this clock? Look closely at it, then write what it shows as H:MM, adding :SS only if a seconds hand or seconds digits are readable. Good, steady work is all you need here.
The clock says 5:19
